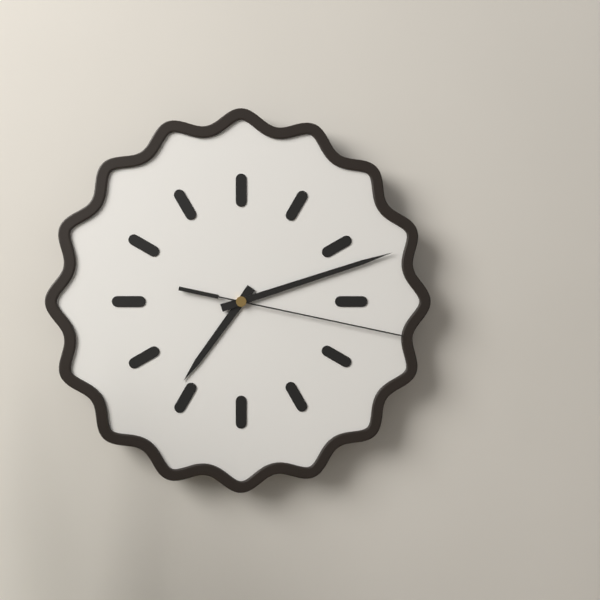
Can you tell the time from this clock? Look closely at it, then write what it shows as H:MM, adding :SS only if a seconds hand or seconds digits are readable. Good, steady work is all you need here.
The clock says 7:12:17
